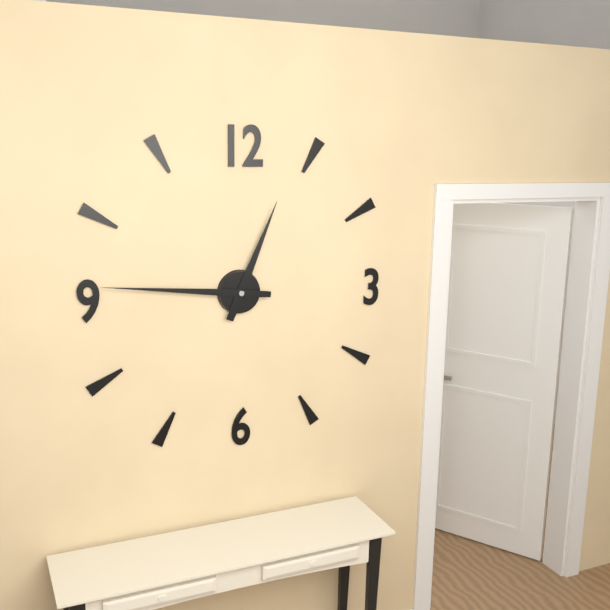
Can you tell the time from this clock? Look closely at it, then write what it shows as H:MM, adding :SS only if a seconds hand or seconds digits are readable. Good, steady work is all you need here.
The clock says 12:46
